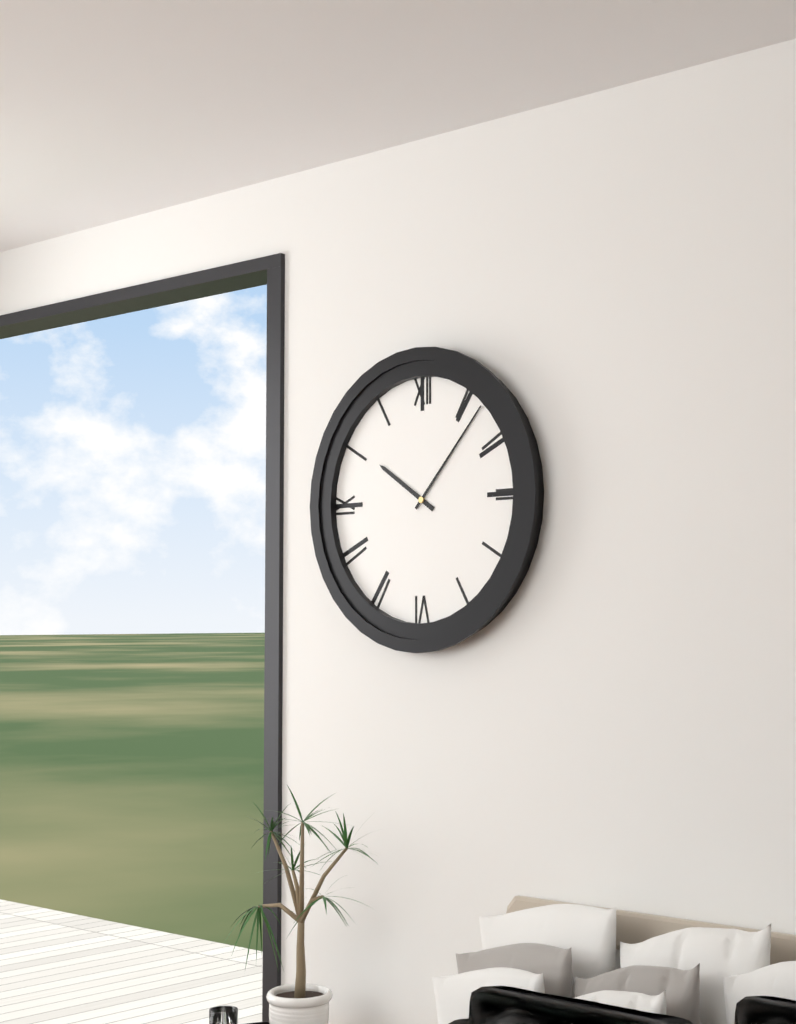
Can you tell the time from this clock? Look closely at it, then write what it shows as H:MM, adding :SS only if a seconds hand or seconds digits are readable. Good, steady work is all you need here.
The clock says 10:07
